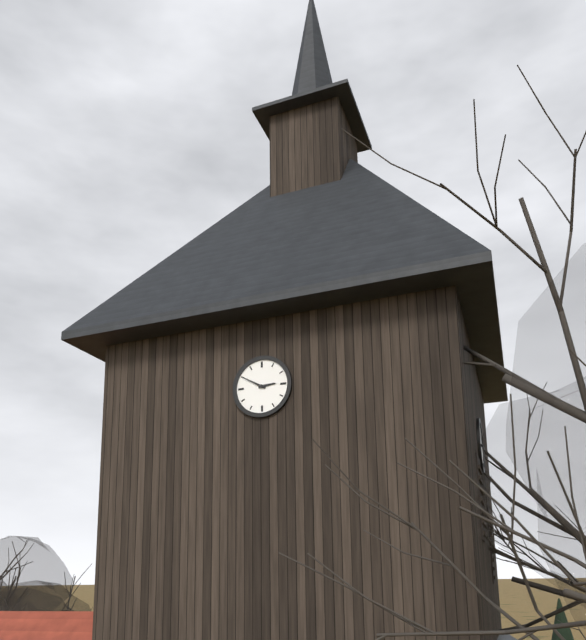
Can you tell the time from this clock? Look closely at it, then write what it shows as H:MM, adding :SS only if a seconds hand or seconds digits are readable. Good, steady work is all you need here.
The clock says 2:50
